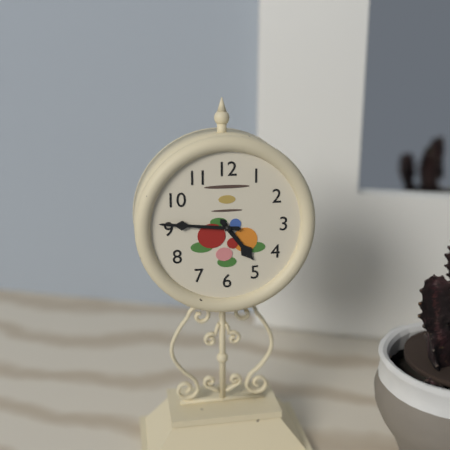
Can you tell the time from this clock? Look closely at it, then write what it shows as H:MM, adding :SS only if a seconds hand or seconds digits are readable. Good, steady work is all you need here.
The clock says 4:46
